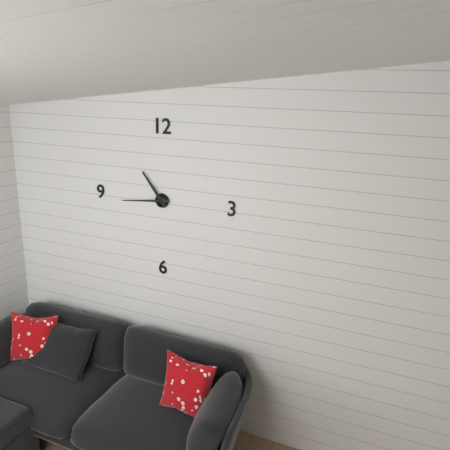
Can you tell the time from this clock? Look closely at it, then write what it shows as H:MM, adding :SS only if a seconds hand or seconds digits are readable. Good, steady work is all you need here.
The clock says 10:44
